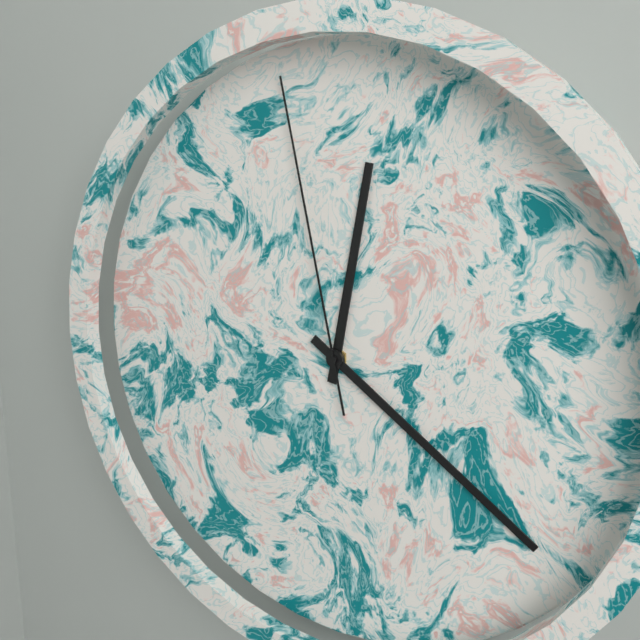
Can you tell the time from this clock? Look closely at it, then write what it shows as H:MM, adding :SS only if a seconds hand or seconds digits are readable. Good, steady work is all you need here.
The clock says 12:21:58
